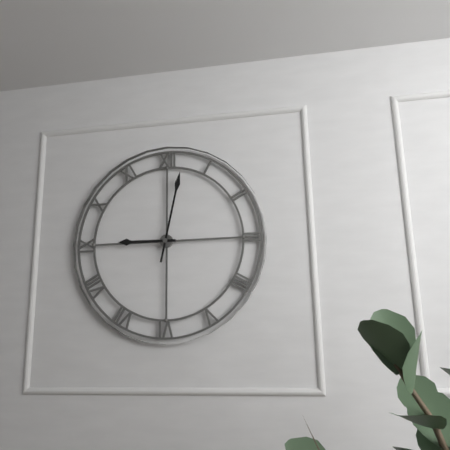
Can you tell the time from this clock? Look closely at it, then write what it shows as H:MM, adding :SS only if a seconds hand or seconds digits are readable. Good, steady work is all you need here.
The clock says 9:02
